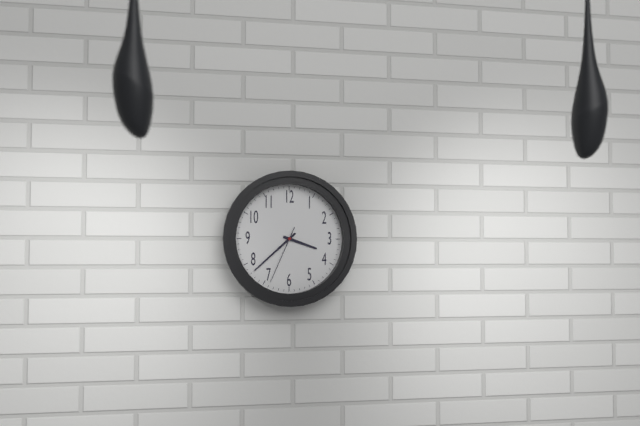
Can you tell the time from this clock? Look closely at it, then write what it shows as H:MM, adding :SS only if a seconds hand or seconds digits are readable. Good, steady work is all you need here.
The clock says 3:38:34
